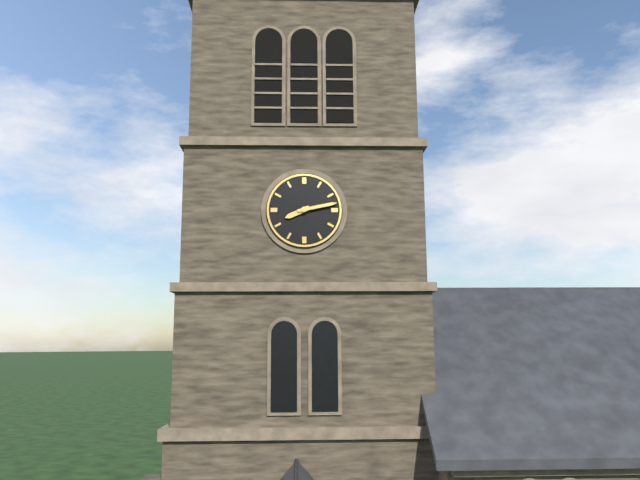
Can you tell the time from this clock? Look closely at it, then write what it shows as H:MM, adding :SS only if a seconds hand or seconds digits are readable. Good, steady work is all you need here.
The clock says 8:13
